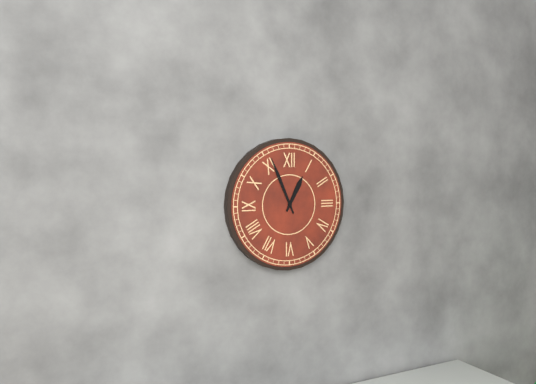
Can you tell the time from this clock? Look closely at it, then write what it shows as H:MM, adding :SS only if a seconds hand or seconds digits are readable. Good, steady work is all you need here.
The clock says 12:56
